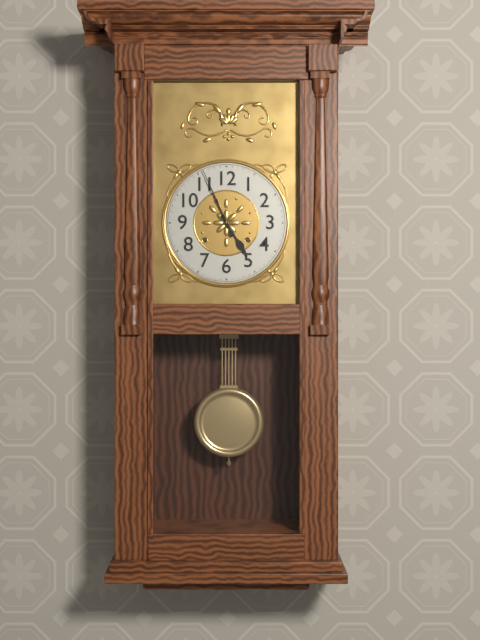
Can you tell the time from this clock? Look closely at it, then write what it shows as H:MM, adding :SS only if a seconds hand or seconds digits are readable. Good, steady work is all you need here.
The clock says 4:56
